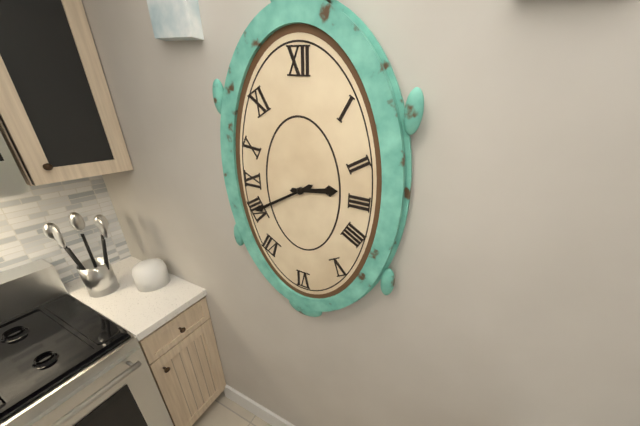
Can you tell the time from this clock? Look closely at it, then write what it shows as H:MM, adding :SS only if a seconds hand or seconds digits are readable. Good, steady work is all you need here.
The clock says 2:40
